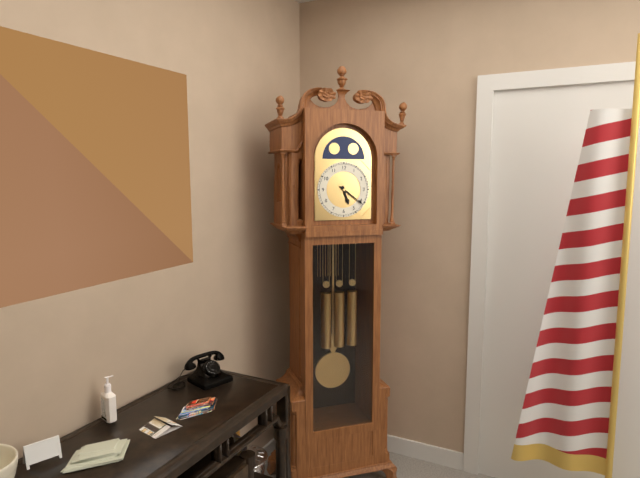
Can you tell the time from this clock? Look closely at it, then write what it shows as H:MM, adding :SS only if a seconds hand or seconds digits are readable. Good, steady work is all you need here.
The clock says 5:21
